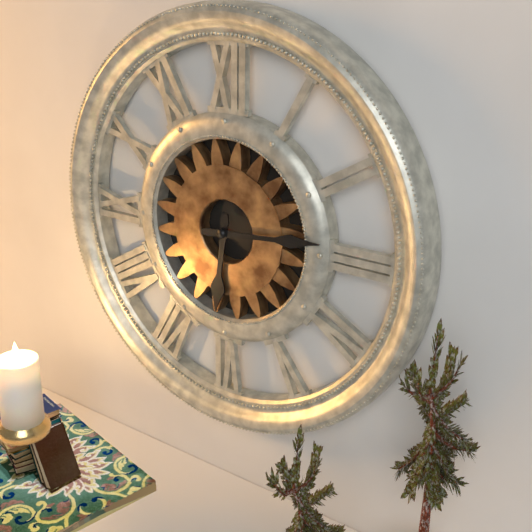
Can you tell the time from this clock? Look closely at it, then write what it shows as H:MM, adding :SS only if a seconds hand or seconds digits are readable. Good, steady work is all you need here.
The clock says 6:14
